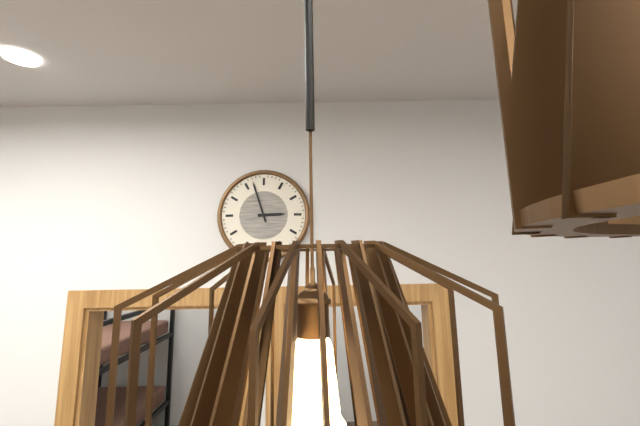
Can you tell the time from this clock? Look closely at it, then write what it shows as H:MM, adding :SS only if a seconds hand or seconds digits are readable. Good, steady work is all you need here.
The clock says 2:57
